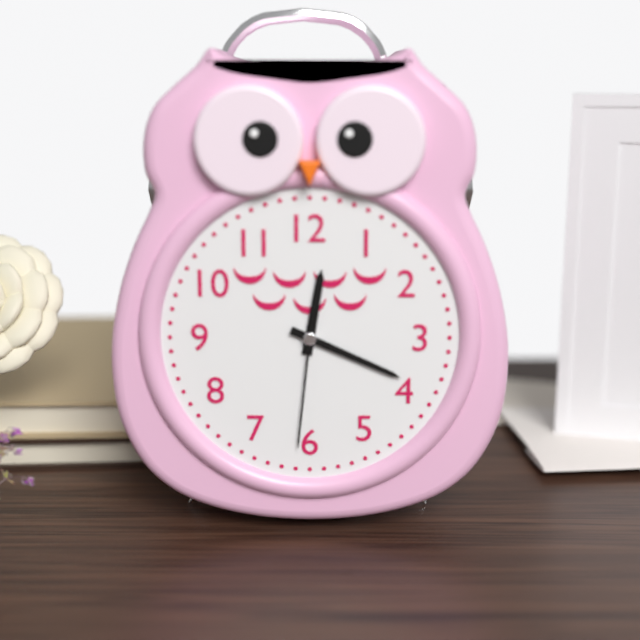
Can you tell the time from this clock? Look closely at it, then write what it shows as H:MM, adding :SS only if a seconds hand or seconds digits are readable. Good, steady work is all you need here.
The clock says 12:19:31
